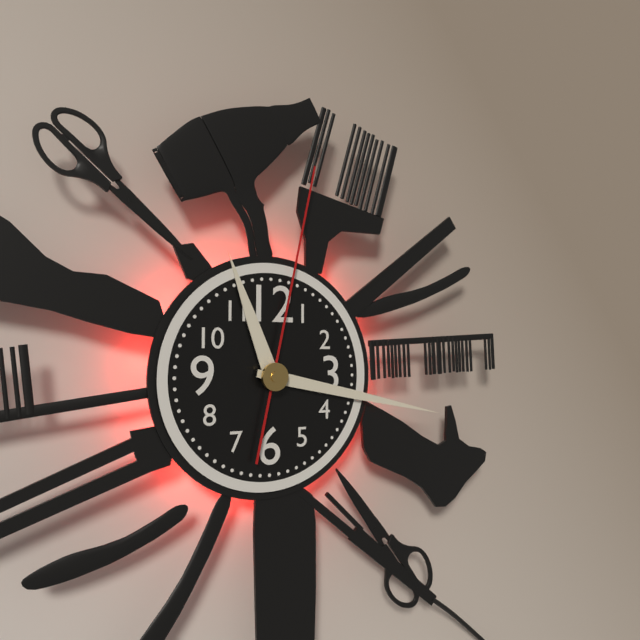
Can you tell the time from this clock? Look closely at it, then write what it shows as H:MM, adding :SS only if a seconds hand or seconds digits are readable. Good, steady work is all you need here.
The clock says 11:17:02
